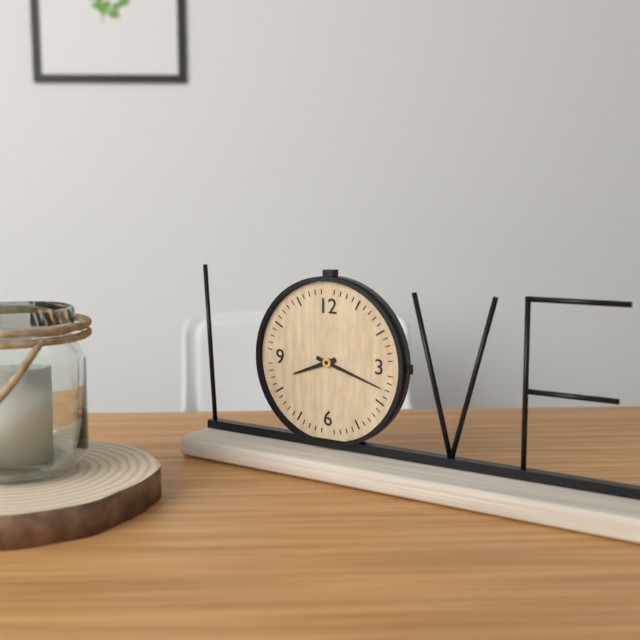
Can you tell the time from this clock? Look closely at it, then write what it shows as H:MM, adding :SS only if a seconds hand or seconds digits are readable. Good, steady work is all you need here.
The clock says 8:18
